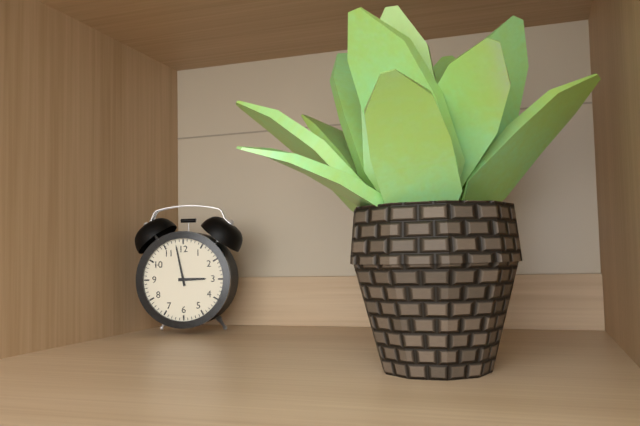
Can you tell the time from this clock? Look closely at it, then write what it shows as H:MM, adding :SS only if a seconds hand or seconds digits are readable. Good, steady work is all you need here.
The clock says 2:58
